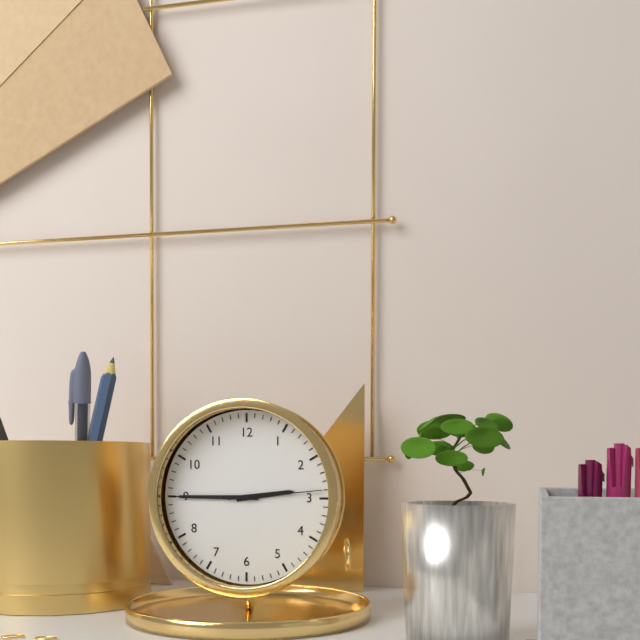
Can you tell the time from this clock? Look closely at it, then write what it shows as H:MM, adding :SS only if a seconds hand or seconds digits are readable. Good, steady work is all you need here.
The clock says 2:45:14
